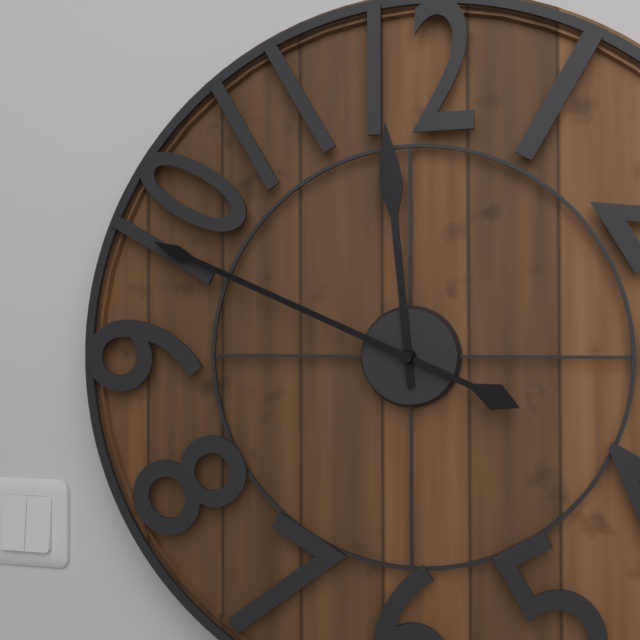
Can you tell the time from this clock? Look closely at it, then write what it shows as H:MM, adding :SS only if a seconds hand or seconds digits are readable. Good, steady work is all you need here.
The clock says 11:49
